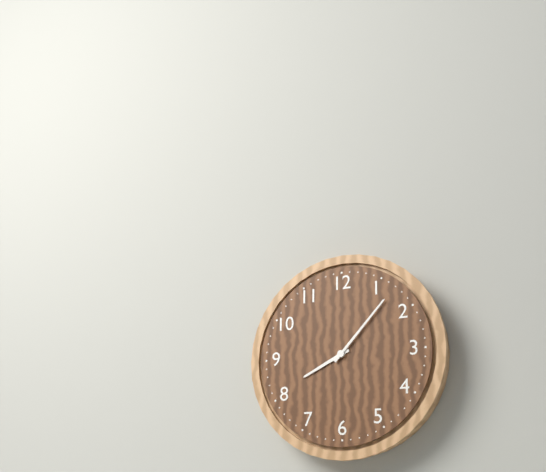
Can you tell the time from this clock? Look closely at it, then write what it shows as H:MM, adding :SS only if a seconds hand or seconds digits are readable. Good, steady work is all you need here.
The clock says 8:07
